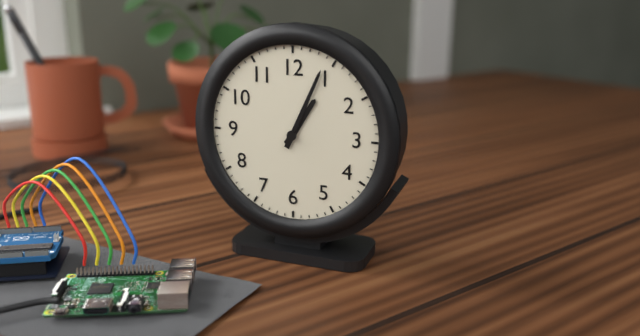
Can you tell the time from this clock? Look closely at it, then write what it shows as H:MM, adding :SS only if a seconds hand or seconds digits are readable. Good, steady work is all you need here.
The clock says 1:04
